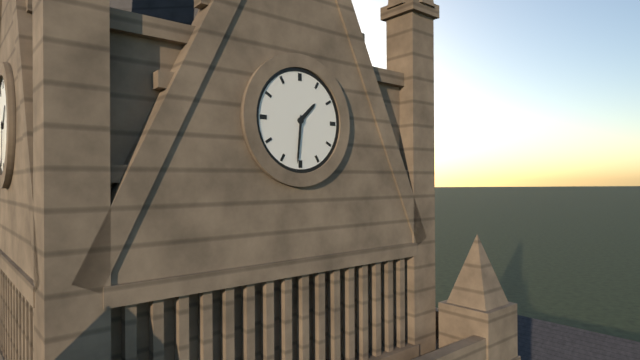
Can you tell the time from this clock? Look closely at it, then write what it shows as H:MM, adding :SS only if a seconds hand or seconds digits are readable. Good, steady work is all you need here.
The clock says 1:31
